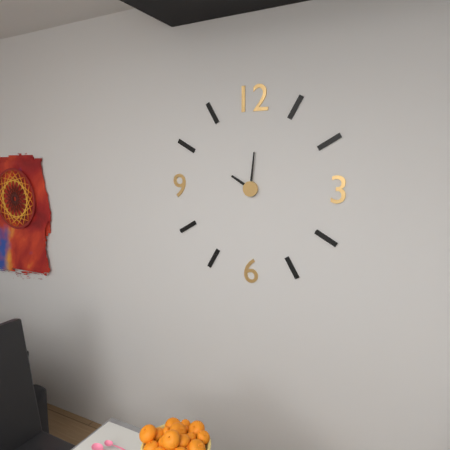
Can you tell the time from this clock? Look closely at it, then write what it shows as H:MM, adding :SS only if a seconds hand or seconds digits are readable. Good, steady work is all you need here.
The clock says 10:01
